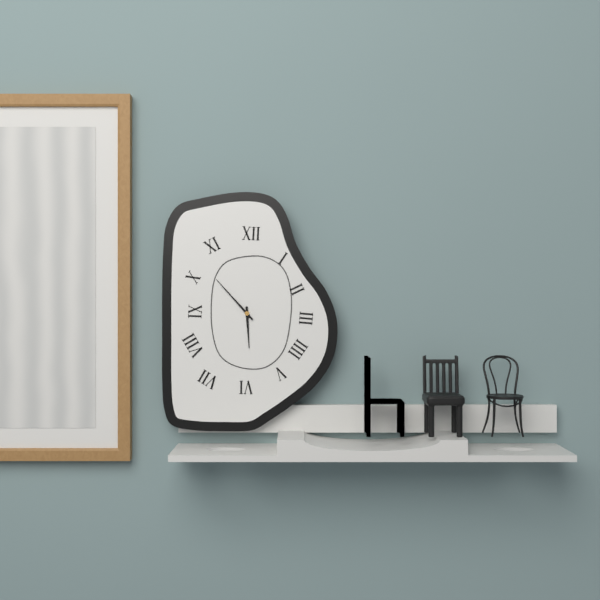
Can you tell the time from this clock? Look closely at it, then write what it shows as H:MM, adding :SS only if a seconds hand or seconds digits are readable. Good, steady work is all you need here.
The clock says 5:53
